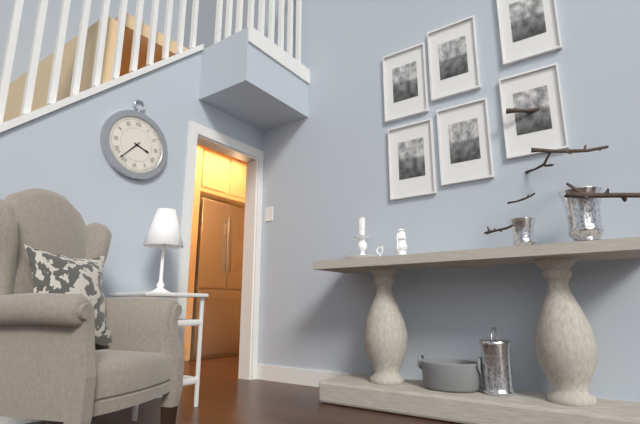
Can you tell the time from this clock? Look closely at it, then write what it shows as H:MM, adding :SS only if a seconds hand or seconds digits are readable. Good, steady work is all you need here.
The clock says 3:37
